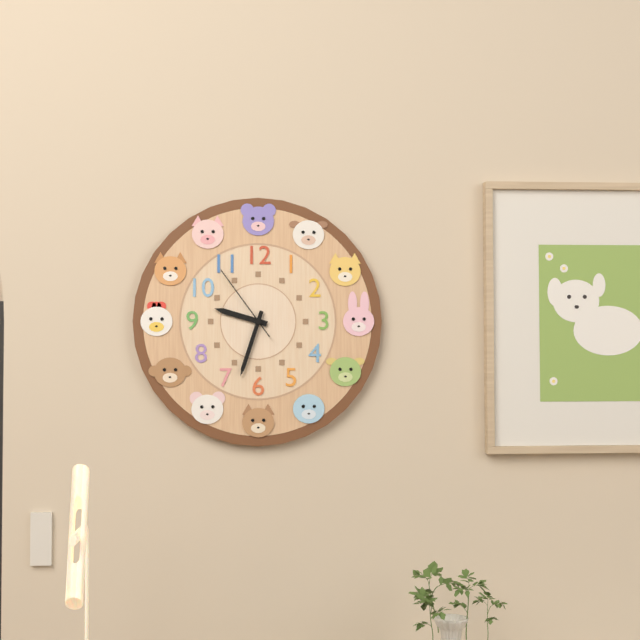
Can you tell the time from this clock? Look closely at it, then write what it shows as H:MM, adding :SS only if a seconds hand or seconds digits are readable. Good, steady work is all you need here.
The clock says 9:33:54
